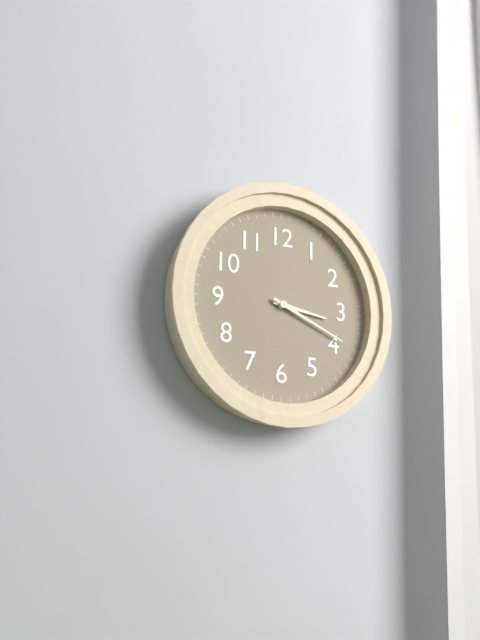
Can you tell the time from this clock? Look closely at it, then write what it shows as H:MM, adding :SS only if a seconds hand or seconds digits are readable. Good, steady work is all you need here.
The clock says 3:19
